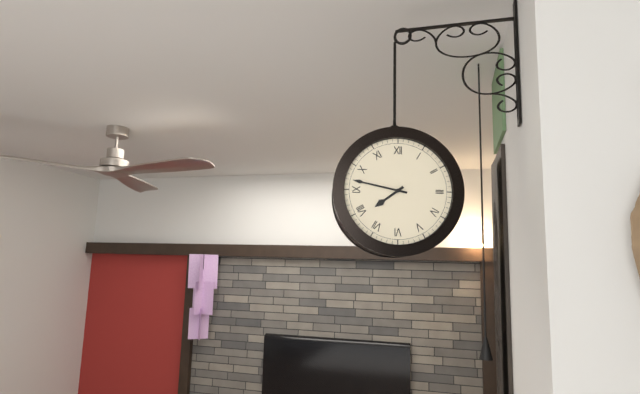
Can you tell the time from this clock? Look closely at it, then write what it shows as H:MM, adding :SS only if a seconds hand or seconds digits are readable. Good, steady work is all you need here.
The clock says 7:47
